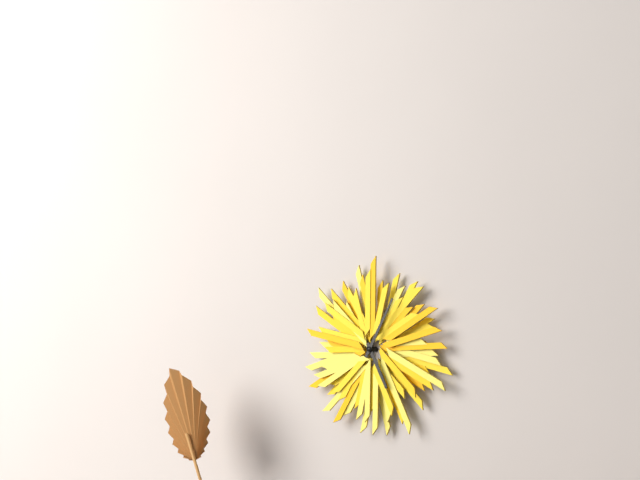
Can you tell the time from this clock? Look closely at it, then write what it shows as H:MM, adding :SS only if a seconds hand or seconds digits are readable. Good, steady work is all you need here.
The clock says 5:05
